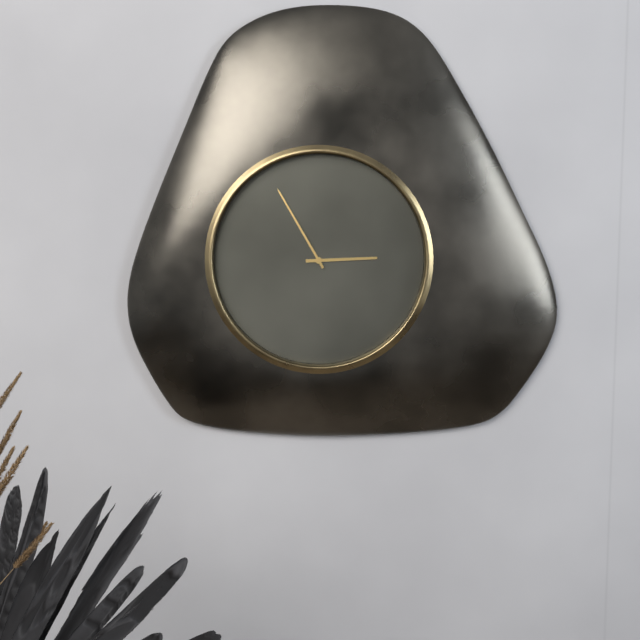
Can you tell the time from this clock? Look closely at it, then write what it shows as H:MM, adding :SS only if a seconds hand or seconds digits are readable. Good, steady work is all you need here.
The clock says 2:55
